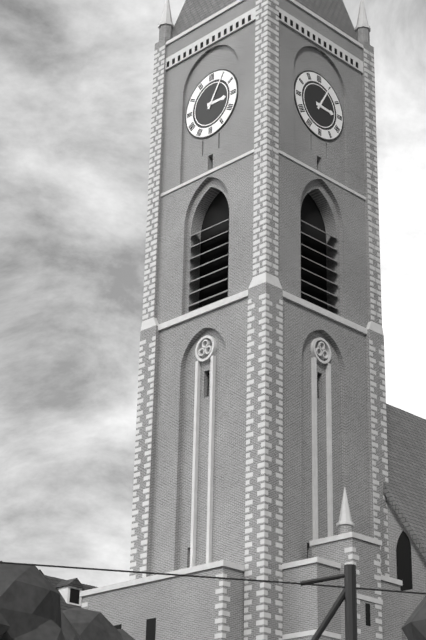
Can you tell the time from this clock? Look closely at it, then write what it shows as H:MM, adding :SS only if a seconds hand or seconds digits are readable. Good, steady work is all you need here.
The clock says 3:05
